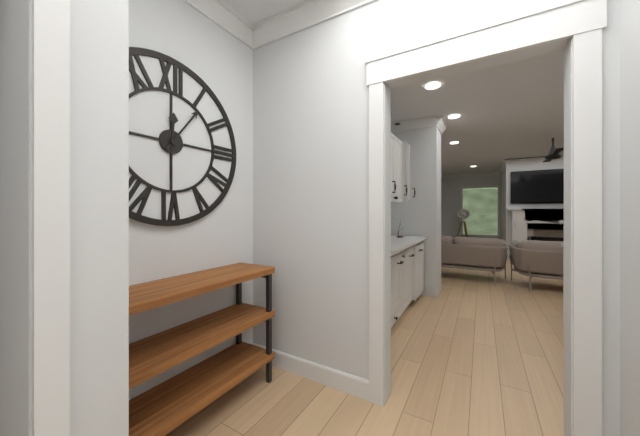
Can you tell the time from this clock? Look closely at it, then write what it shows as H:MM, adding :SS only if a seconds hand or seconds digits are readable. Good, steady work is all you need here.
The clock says 12:06
